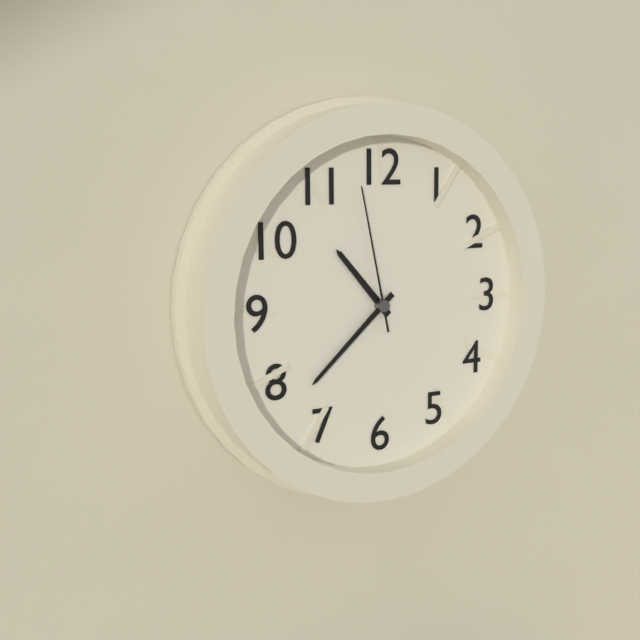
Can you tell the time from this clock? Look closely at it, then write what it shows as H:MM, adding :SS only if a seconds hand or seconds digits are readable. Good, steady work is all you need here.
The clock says 10:38:58
